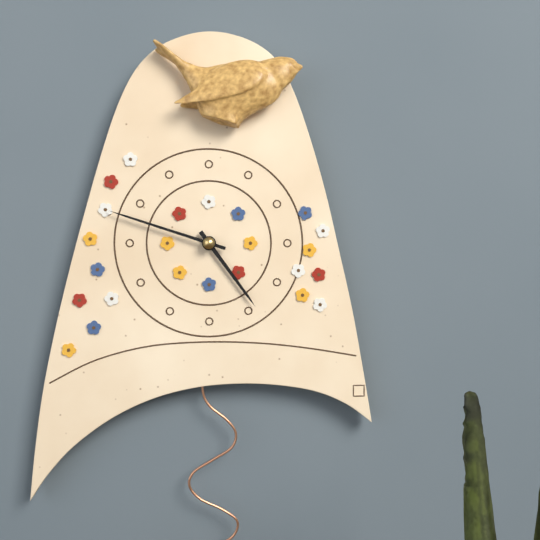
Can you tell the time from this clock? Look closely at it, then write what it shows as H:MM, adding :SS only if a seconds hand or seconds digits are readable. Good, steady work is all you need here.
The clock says 4:48
